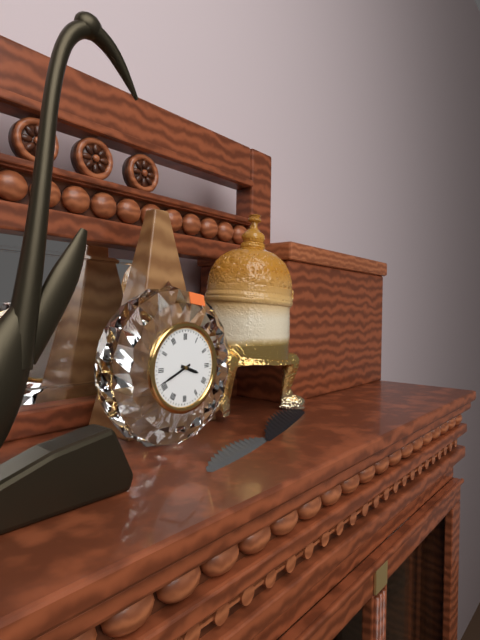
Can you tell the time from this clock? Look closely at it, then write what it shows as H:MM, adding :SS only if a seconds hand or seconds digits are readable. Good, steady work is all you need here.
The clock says 3:41
